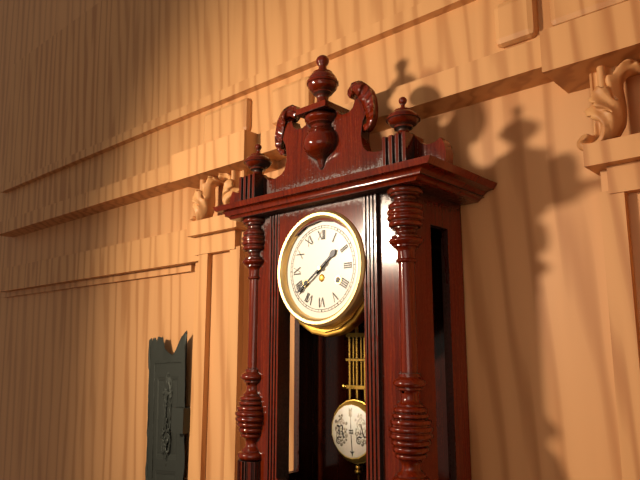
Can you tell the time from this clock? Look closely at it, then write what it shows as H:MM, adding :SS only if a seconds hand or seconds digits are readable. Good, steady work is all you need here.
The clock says 1:39
